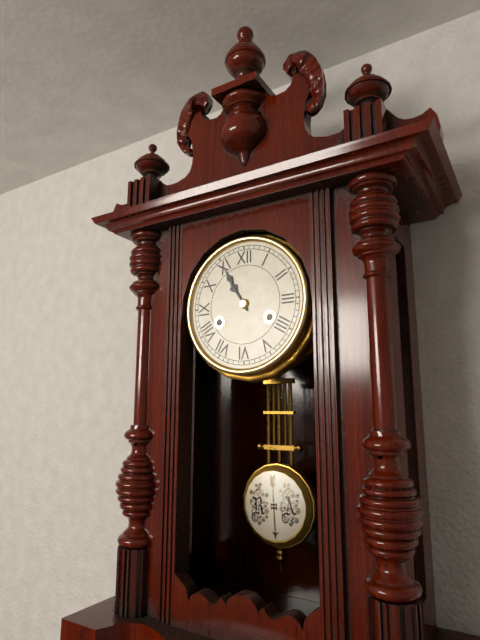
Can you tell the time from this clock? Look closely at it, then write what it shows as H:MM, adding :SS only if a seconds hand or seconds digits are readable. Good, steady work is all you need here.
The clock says 10:55
